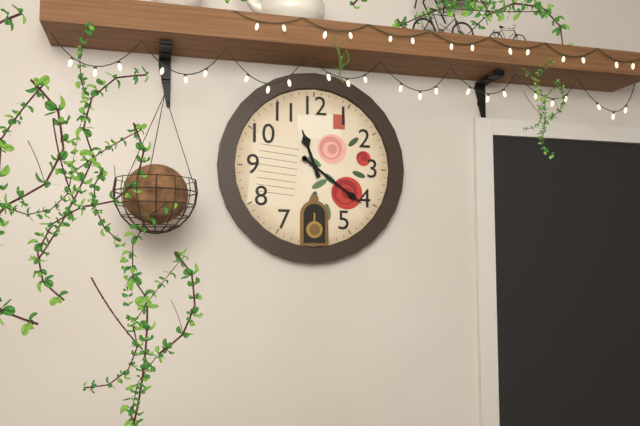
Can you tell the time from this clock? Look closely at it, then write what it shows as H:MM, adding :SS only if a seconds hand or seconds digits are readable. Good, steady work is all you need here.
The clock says 11:21
